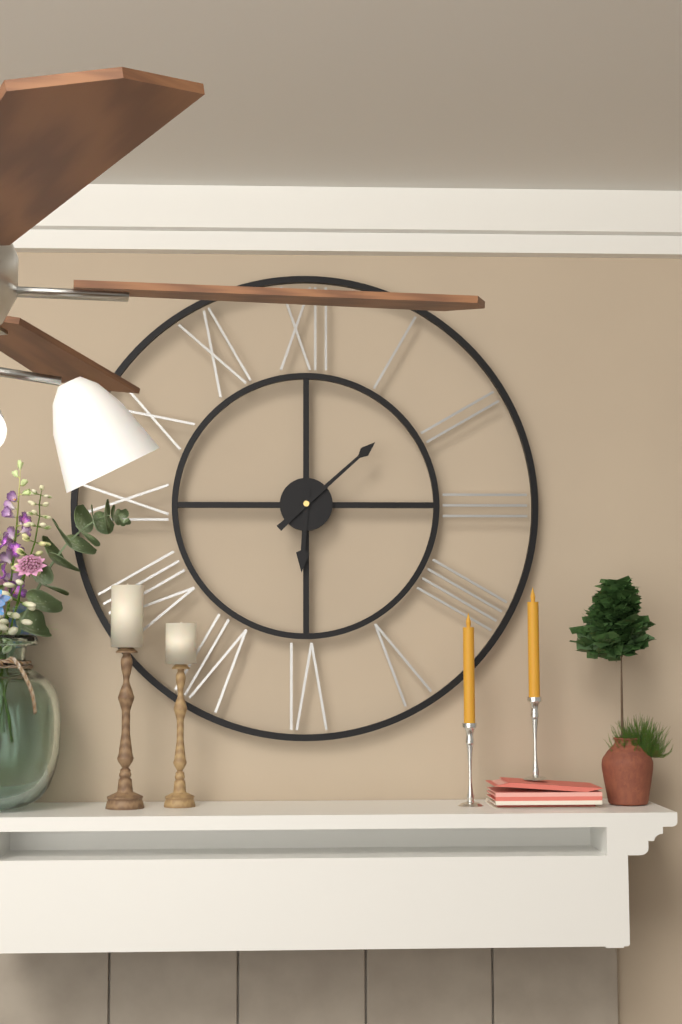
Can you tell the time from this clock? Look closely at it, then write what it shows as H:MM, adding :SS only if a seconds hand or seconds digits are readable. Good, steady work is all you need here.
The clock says 6:08
